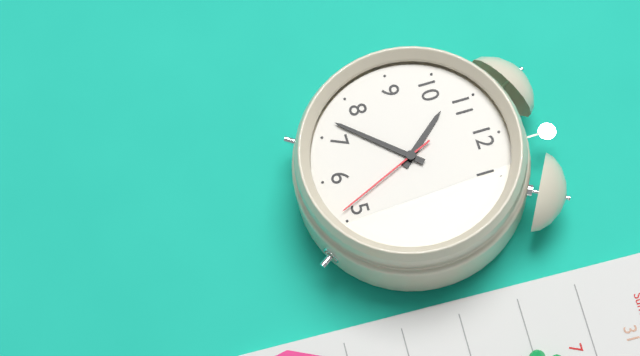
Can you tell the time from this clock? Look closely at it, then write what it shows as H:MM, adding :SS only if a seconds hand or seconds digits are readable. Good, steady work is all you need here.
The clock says 10:37:26
